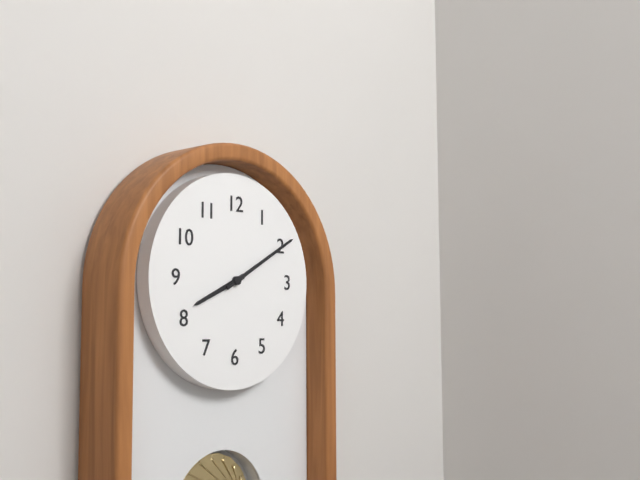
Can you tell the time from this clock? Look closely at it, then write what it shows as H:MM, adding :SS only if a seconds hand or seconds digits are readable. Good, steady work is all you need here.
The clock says 8:10
